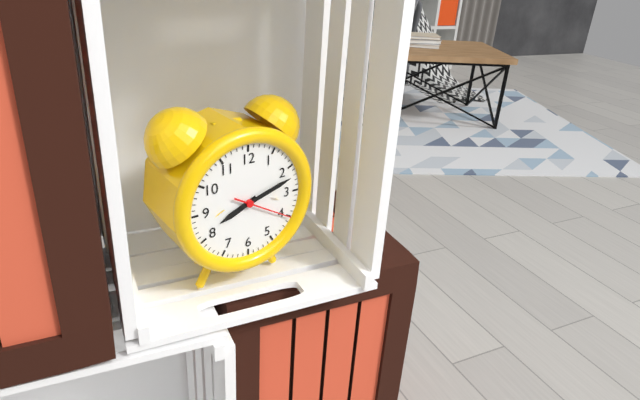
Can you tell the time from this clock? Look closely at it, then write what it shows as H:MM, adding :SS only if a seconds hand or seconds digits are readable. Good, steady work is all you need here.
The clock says 8:12:20
